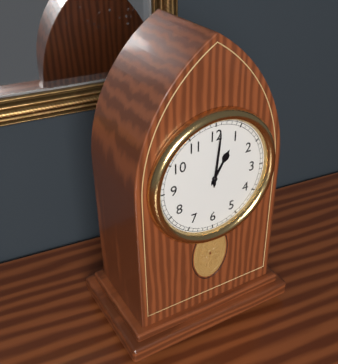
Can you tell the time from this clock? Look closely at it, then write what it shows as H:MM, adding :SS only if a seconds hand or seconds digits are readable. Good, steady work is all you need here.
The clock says 1:01
